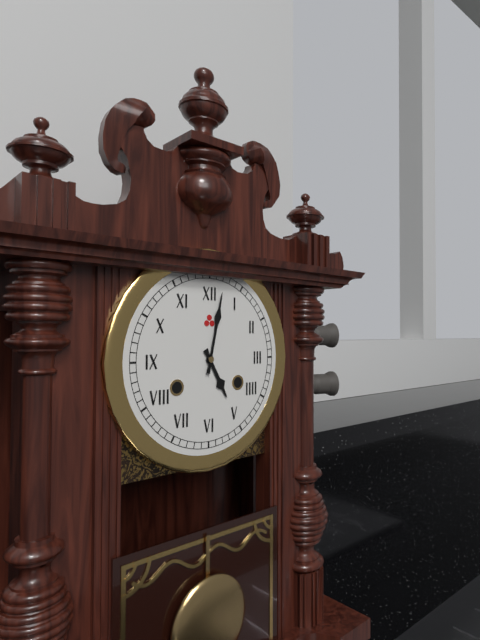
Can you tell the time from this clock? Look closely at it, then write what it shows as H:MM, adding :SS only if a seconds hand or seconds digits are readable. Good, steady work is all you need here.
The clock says 5:02
